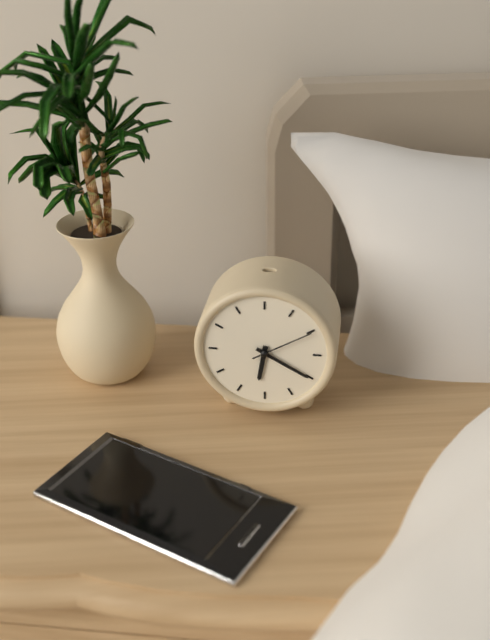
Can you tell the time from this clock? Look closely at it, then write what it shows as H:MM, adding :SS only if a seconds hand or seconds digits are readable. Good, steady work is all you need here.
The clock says 6:20:10
